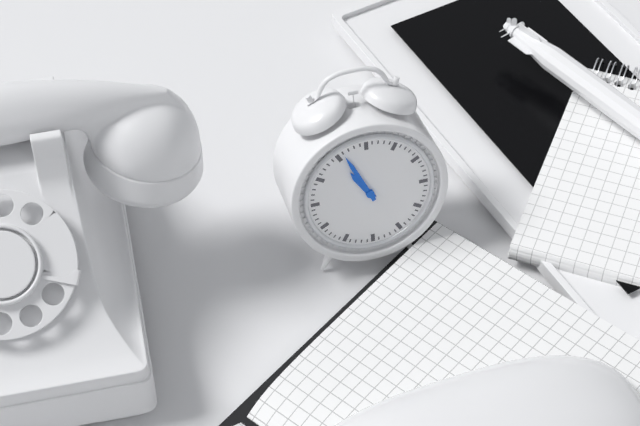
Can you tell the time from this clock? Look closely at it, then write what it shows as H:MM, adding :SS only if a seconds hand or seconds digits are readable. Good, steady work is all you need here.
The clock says 10:56
